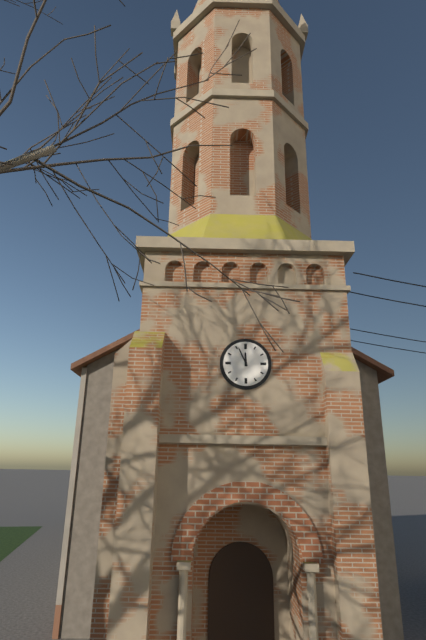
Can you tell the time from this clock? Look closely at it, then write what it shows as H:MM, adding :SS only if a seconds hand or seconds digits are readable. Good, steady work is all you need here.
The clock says 11:56
